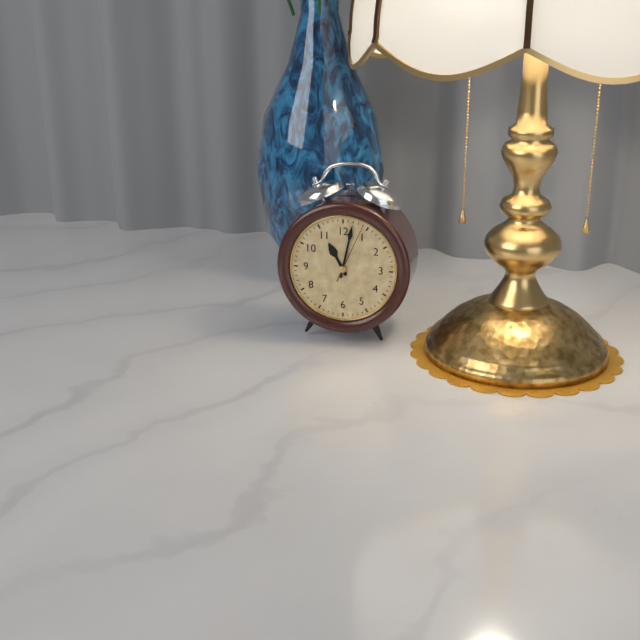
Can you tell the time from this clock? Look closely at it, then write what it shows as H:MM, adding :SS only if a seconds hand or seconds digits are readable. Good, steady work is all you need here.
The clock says 11:02:04
